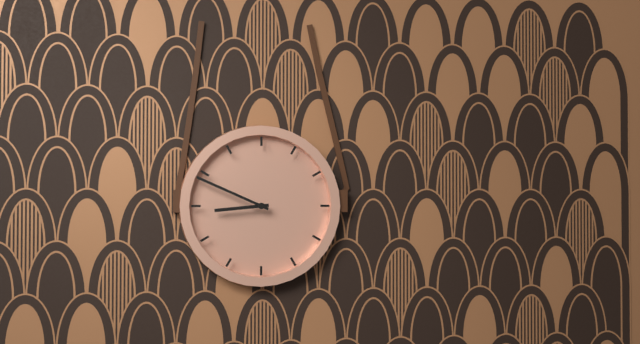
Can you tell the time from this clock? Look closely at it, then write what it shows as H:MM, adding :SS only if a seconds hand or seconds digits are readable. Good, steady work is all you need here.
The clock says 8:49
